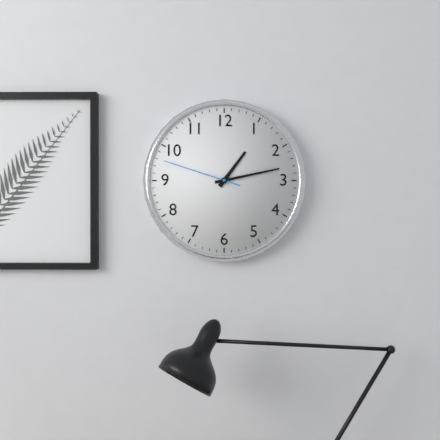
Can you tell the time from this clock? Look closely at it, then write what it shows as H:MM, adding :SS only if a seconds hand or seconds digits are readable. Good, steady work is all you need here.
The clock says 1:13:48
